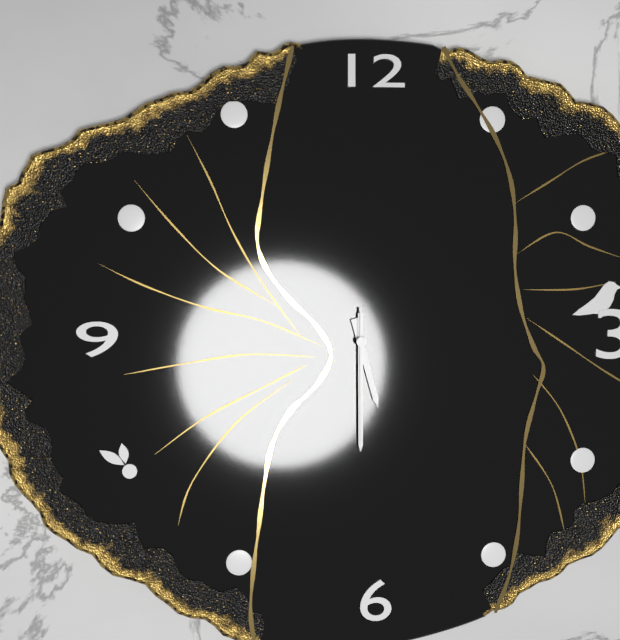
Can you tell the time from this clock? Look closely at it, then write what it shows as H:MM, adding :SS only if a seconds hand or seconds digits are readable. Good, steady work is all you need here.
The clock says 5:30:30
